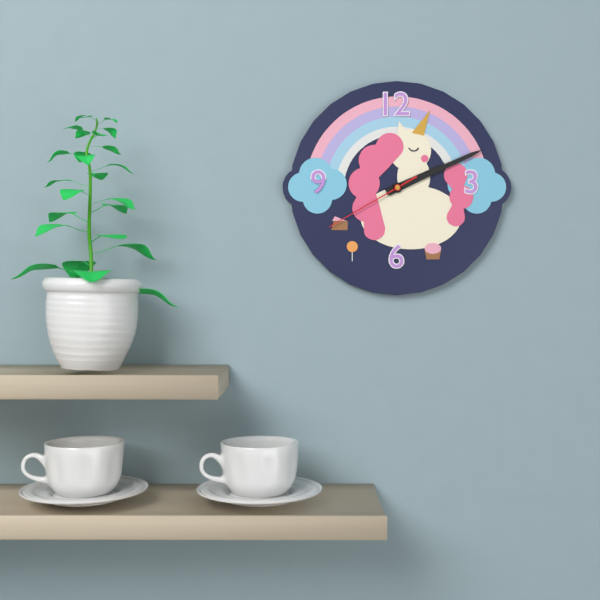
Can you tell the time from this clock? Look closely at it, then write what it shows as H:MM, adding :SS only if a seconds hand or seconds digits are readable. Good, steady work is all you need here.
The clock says 2:11:40
